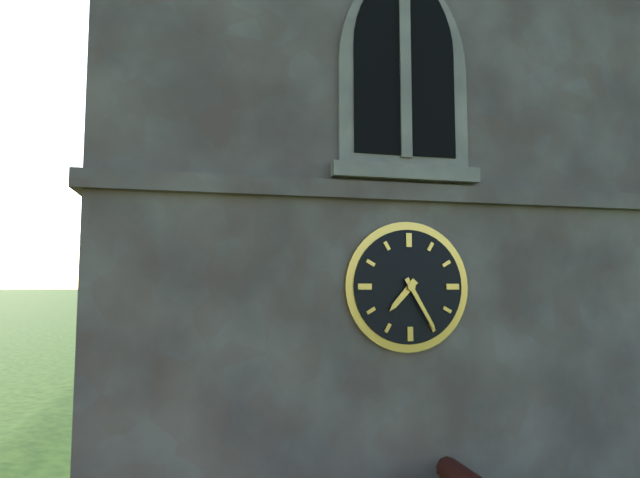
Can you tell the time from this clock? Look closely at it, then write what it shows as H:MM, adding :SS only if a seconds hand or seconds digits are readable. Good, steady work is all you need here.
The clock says 7:25
